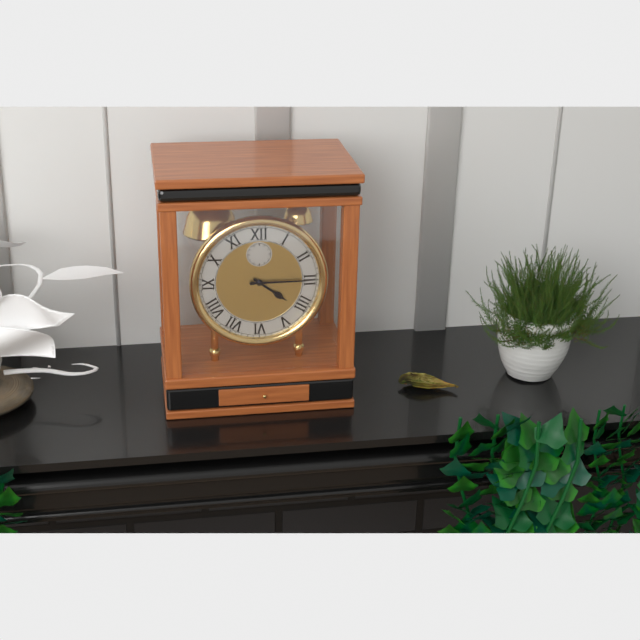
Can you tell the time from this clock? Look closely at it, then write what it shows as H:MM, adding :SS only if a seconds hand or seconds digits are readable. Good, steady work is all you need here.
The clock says 4:15
